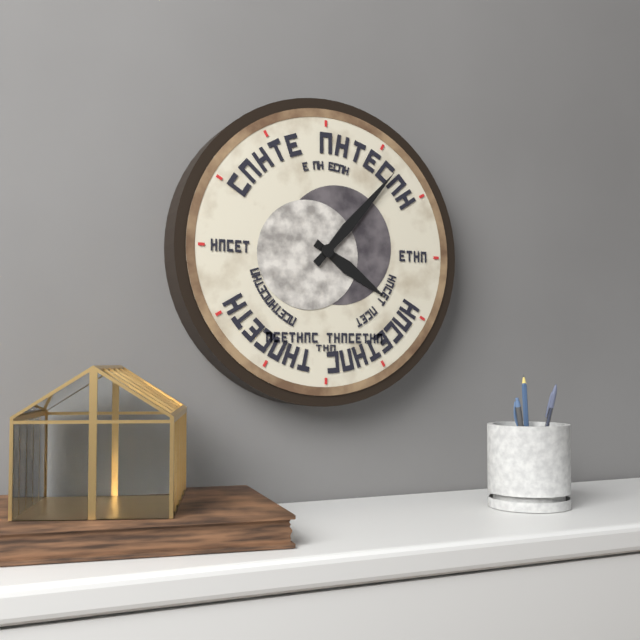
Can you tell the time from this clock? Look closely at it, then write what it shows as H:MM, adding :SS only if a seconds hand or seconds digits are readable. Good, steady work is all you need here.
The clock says 4:07
